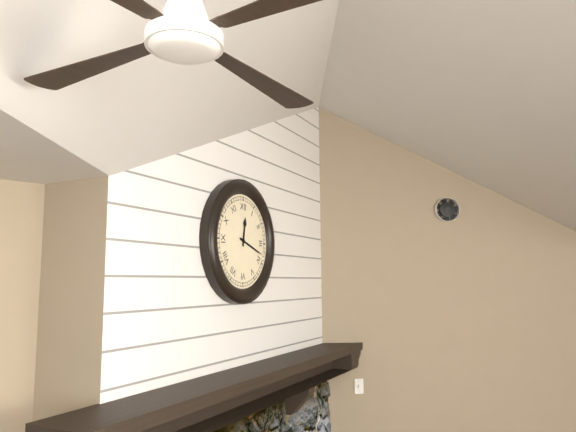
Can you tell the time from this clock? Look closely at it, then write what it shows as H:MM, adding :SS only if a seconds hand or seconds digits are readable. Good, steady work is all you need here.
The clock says 12:18
